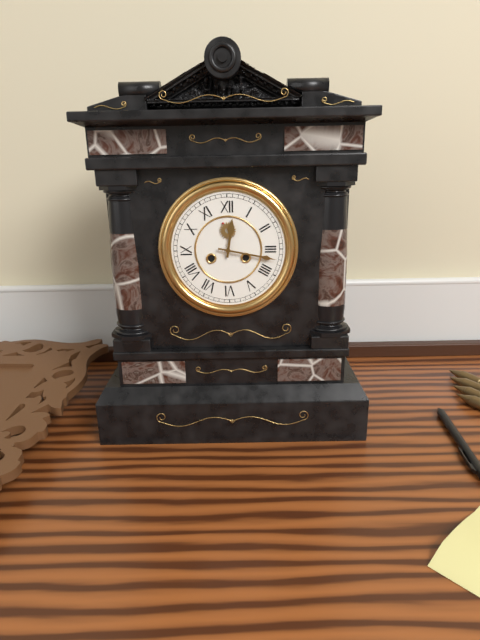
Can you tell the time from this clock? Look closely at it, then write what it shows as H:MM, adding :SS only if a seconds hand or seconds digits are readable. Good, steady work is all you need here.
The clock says 12:17
